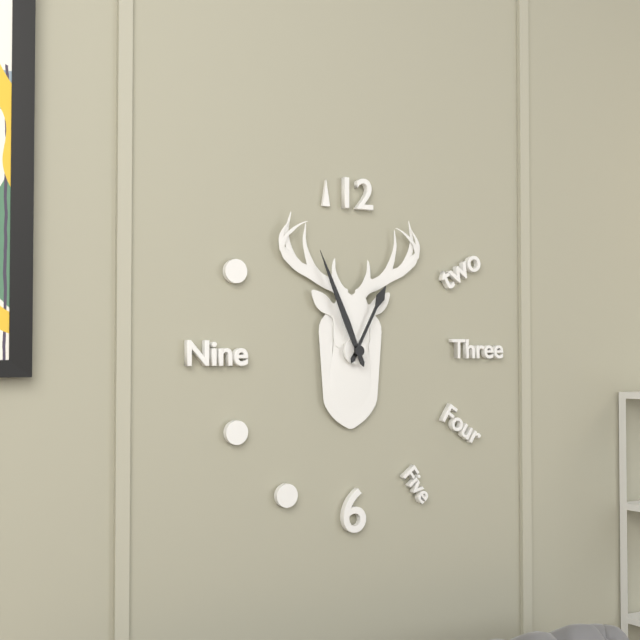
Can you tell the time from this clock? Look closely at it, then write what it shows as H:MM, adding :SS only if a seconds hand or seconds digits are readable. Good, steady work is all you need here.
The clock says 12:56
